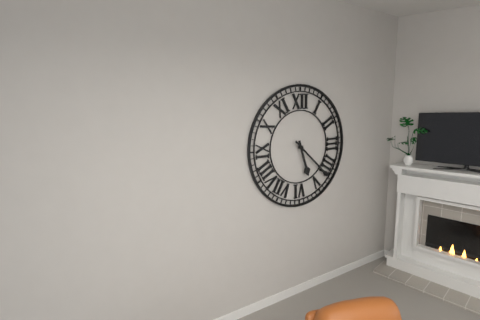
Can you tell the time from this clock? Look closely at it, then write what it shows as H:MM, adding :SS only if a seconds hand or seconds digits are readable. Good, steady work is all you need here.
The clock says 5:22
